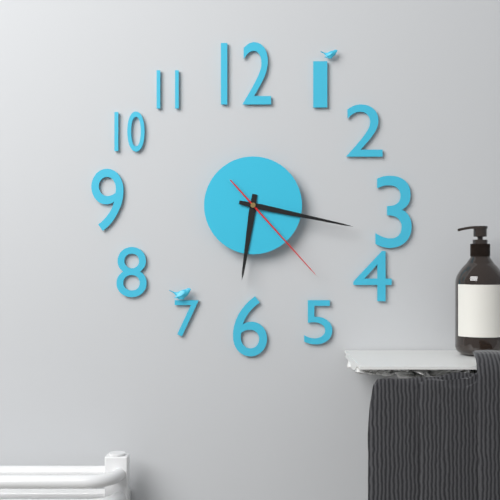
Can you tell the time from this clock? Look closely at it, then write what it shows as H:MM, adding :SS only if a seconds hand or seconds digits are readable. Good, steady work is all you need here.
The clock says 6:17:23
